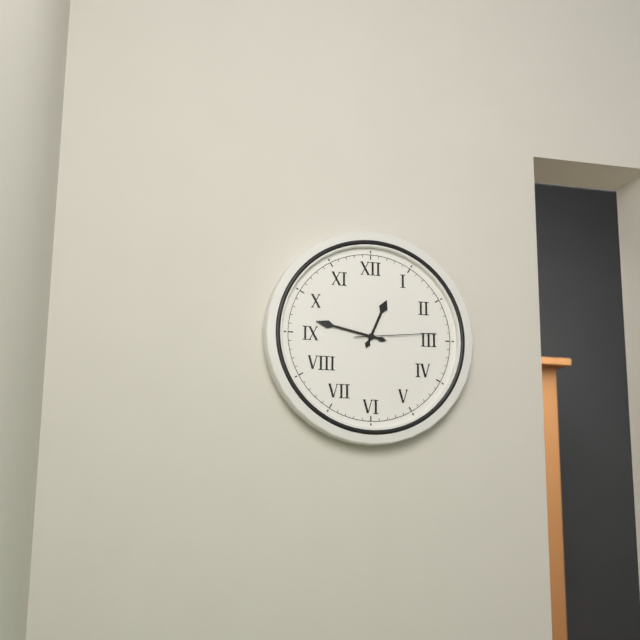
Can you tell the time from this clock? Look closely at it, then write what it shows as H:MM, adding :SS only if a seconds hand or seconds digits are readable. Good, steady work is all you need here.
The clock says 12:47:14
